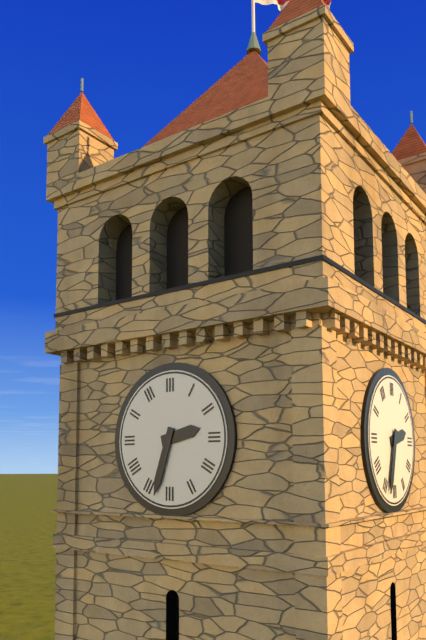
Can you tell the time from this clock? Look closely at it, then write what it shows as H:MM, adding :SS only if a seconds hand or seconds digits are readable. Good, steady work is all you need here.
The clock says 2:33
